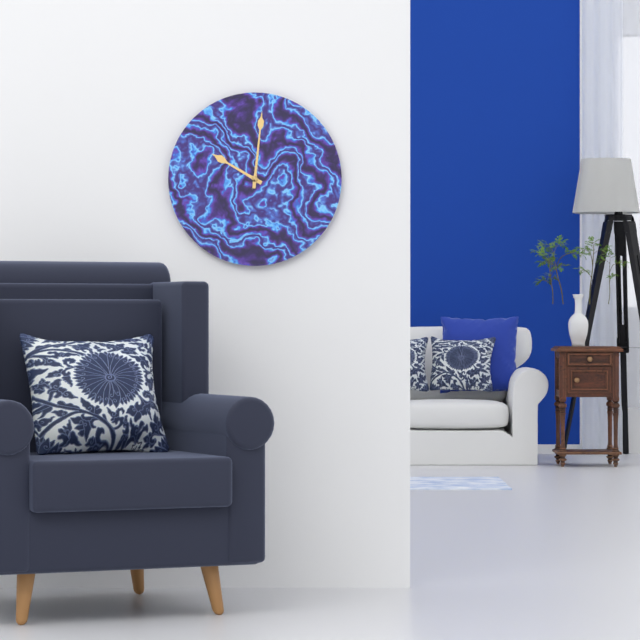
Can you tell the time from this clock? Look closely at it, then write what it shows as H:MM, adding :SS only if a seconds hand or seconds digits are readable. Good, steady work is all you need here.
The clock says 10:01
